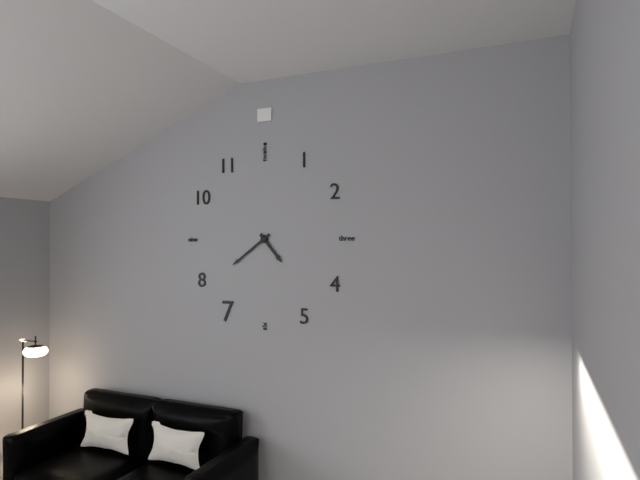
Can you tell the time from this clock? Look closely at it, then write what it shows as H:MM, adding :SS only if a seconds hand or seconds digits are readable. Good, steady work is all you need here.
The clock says 4:39
